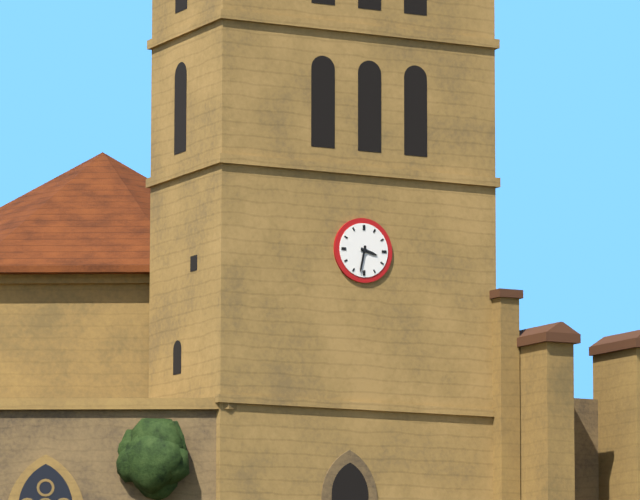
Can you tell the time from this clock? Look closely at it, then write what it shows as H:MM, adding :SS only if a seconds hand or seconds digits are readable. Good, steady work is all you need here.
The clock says 3:32
